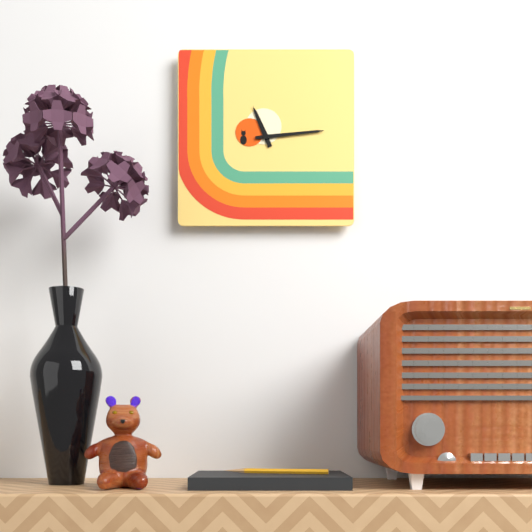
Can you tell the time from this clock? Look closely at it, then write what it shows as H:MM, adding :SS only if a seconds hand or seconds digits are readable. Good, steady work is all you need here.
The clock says 11:14
